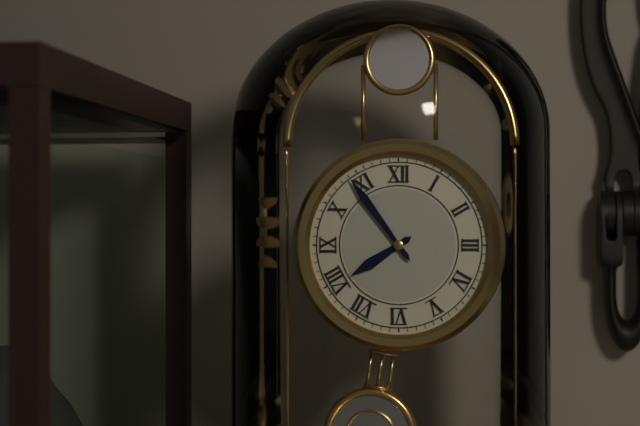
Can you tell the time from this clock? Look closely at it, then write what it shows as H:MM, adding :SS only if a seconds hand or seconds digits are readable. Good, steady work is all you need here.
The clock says 7:54
